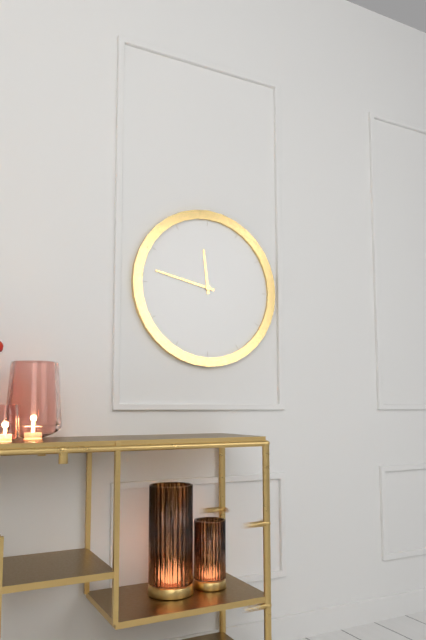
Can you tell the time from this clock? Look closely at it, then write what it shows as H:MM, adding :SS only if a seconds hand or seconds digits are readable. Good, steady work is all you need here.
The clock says 11:47
